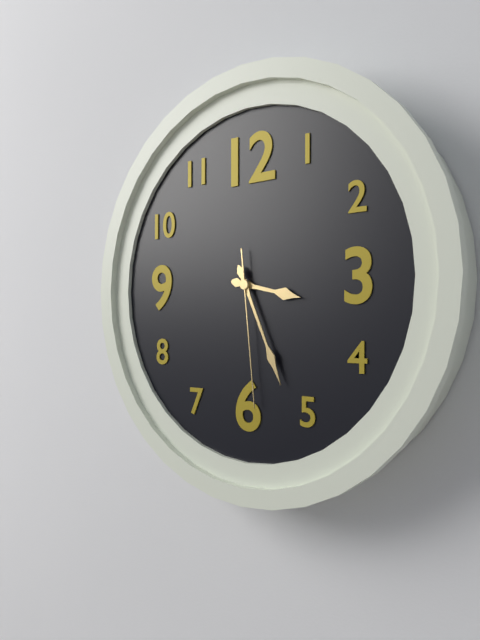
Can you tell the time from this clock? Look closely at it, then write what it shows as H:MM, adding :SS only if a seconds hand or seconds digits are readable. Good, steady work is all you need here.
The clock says 3:26:29
